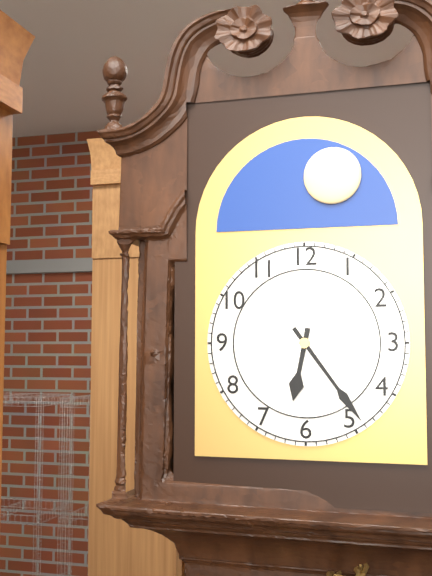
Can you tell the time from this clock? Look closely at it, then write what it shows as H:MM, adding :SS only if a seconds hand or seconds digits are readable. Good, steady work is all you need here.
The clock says 6:24
